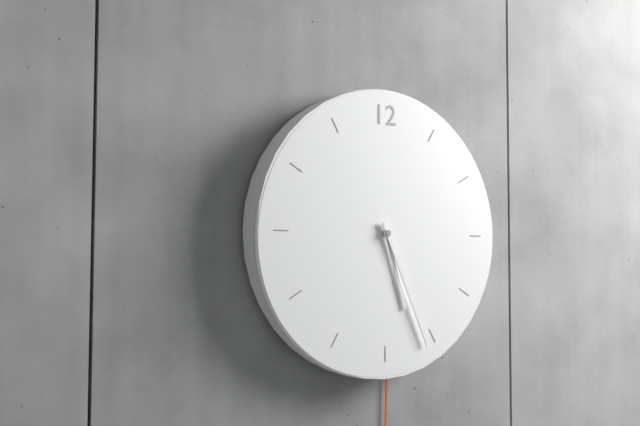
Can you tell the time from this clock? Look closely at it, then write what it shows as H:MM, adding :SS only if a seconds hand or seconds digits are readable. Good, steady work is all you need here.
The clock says 5:26
